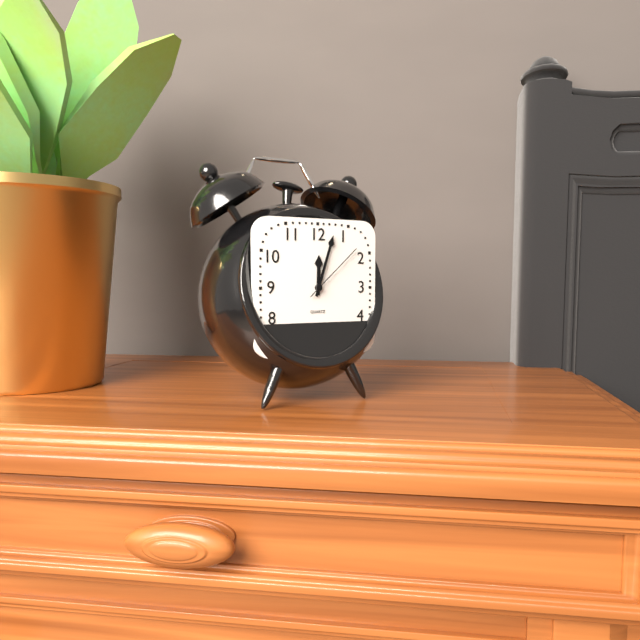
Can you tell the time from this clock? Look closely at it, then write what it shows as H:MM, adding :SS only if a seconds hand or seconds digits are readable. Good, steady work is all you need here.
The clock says 12:03:08
